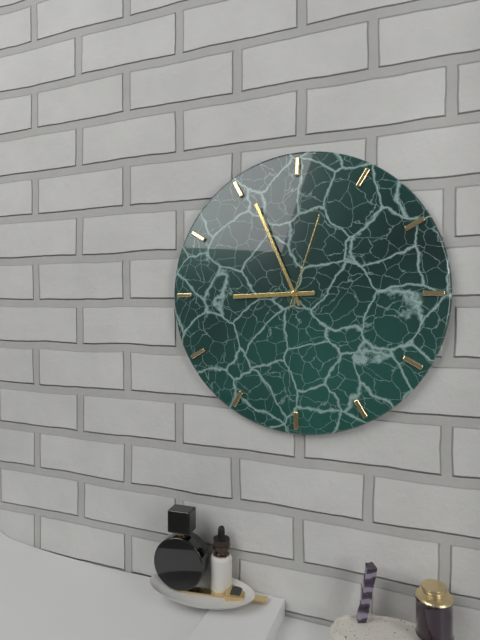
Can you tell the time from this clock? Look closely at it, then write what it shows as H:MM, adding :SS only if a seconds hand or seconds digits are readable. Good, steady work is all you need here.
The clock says 8:56:03
